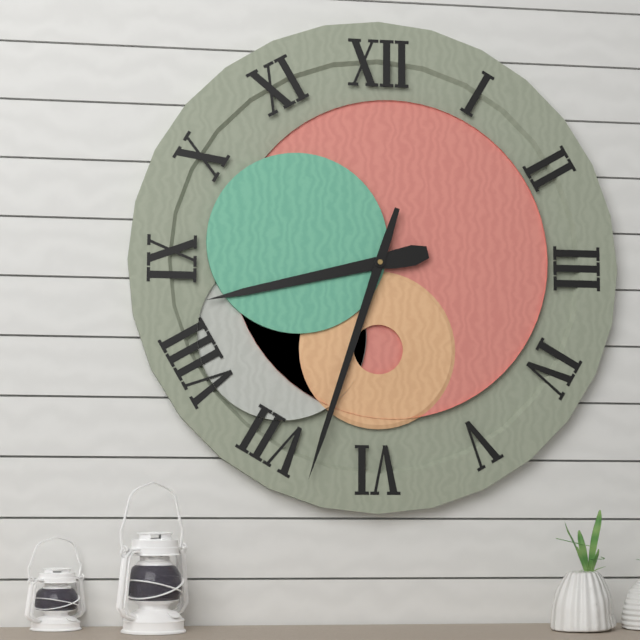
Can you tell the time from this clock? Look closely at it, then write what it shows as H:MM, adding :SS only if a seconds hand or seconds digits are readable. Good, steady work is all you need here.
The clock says 8:33
